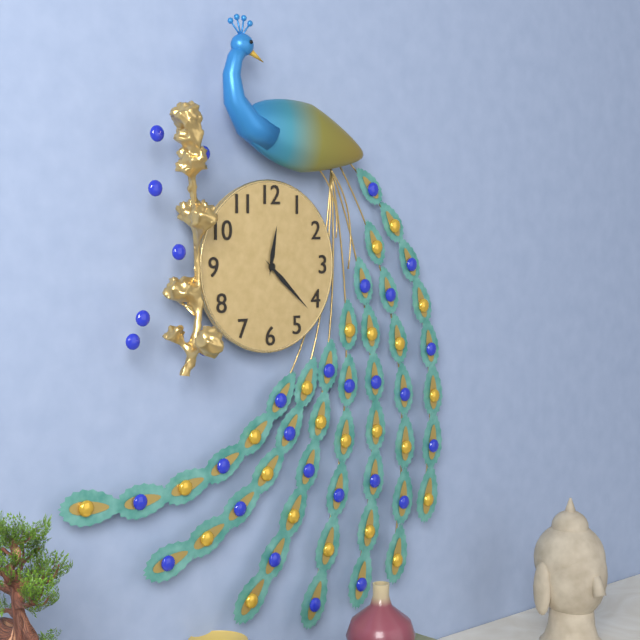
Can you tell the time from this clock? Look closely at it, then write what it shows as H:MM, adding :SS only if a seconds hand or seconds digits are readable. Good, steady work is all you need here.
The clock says 12:22
